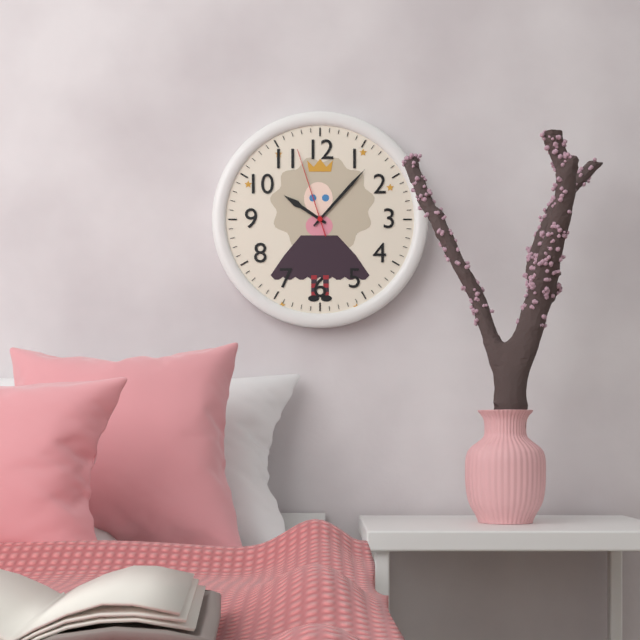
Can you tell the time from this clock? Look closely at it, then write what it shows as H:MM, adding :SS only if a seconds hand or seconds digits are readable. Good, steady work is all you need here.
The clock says 10:07:57
